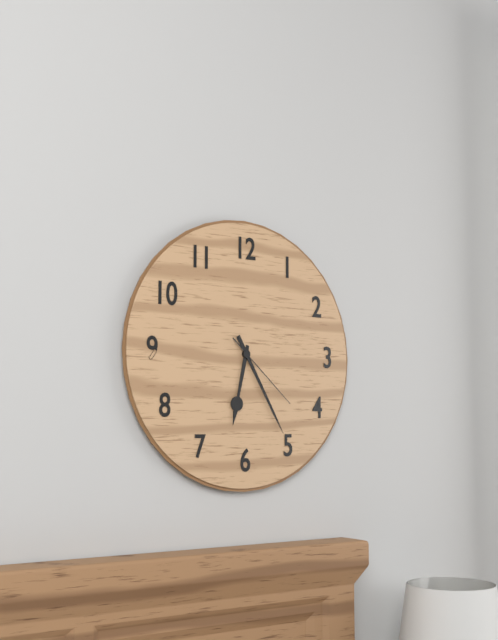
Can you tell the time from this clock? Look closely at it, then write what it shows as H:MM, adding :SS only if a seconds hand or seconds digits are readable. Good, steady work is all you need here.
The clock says 6:25:22
